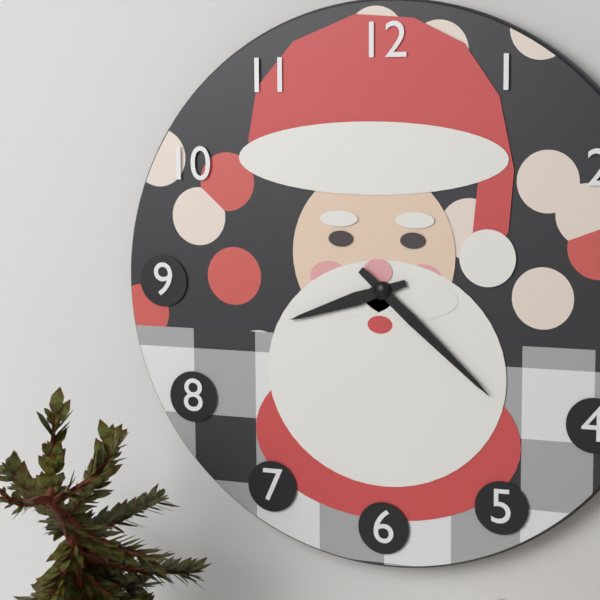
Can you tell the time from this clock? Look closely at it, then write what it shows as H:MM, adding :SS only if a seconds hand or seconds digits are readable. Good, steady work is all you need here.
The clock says 8:22
